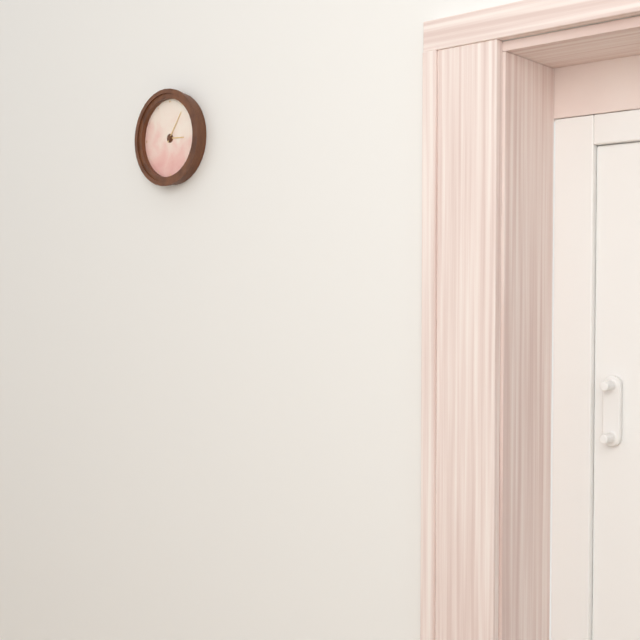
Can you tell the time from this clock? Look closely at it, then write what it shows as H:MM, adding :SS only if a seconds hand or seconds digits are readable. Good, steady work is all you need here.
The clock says 3:06
